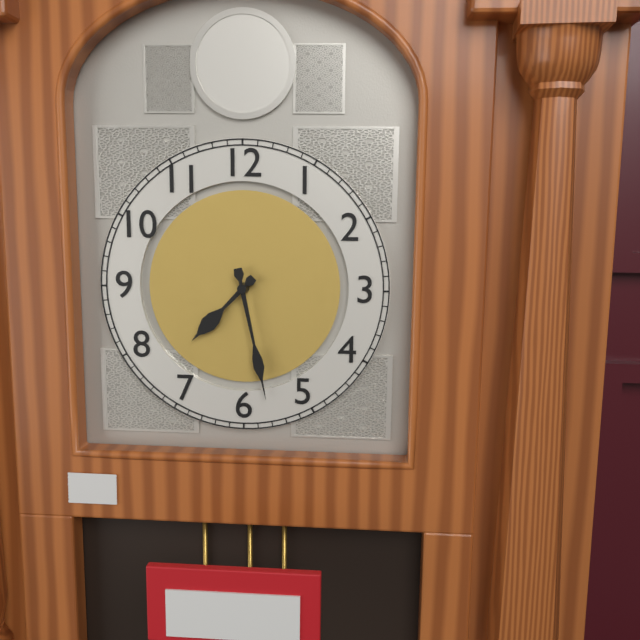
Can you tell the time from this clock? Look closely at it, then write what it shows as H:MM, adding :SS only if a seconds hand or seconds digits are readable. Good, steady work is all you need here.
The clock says 7:28
